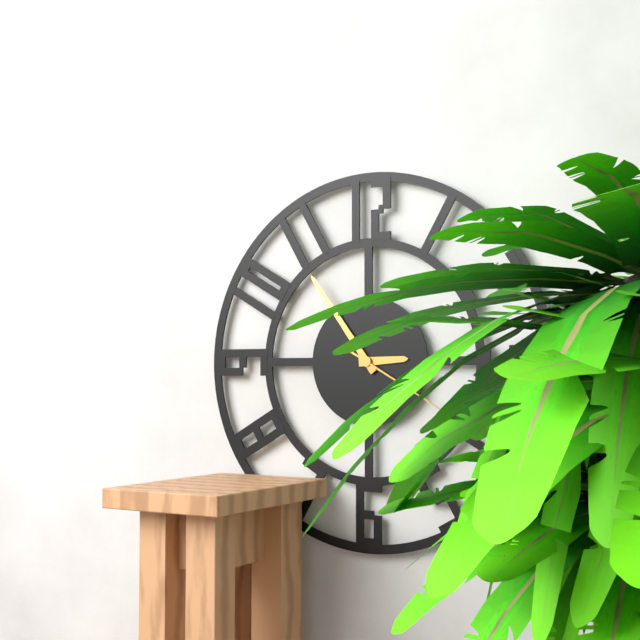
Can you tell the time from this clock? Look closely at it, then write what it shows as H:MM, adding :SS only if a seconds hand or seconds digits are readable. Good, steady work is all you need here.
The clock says 2:54:20
